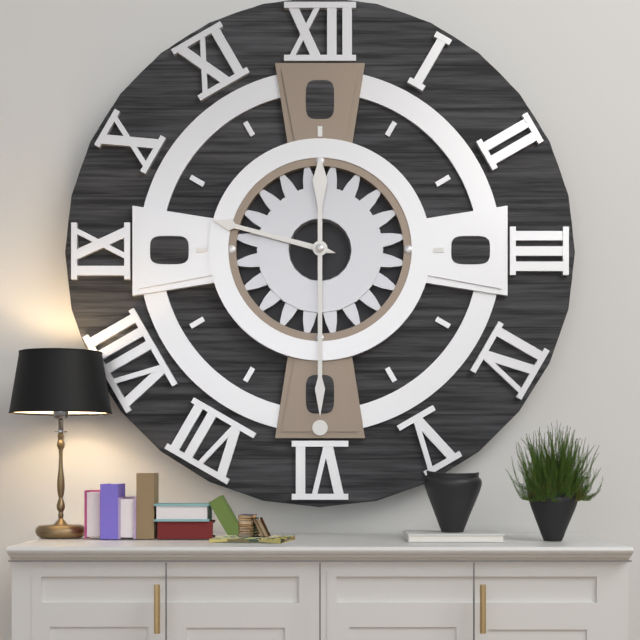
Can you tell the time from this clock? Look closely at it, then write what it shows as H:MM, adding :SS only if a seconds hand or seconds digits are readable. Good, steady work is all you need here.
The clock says 9:30
